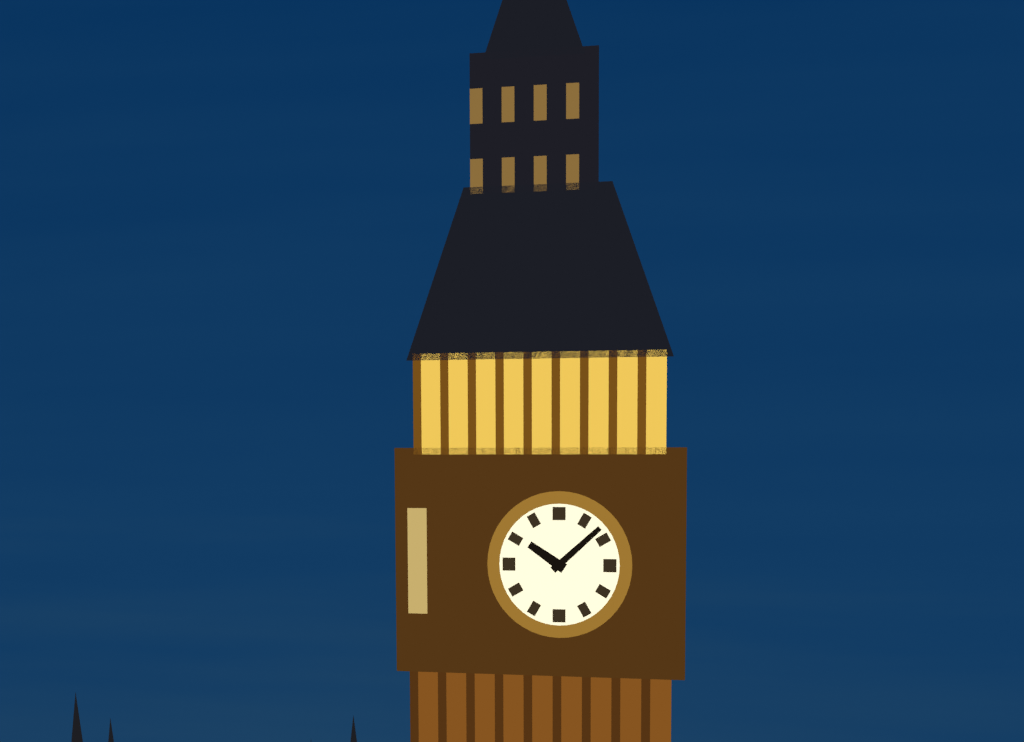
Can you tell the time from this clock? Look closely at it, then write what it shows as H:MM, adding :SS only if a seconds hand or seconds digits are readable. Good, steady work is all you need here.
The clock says 10:08
